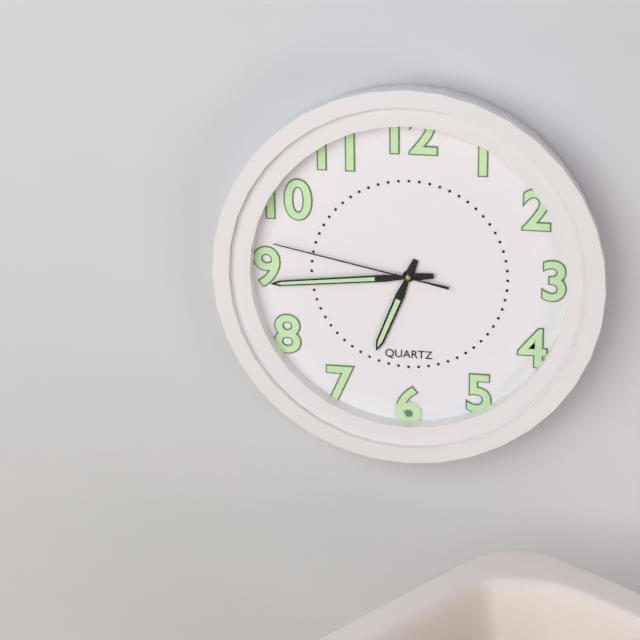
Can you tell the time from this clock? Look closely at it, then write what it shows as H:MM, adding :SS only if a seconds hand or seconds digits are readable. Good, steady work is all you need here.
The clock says 6:44:47
